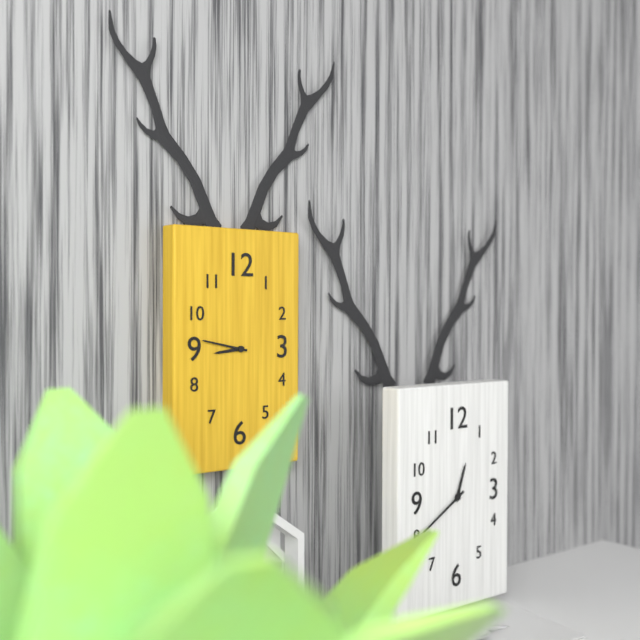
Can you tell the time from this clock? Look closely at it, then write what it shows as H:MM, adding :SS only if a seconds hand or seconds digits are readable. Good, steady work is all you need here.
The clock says 8:47
